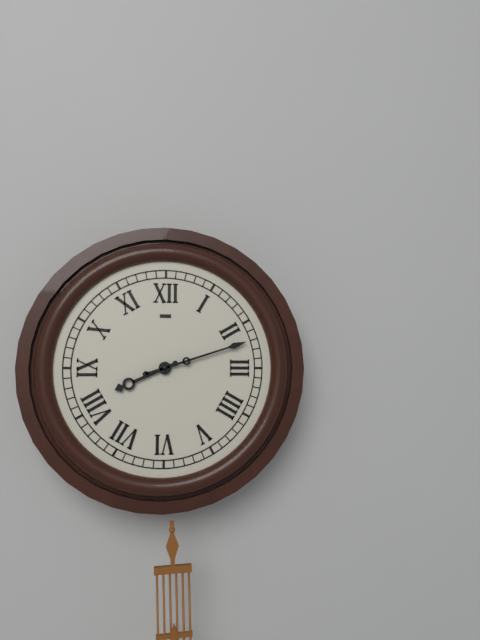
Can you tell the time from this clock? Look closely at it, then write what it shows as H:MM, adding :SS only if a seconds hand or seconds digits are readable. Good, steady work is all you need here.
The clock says 8:12
